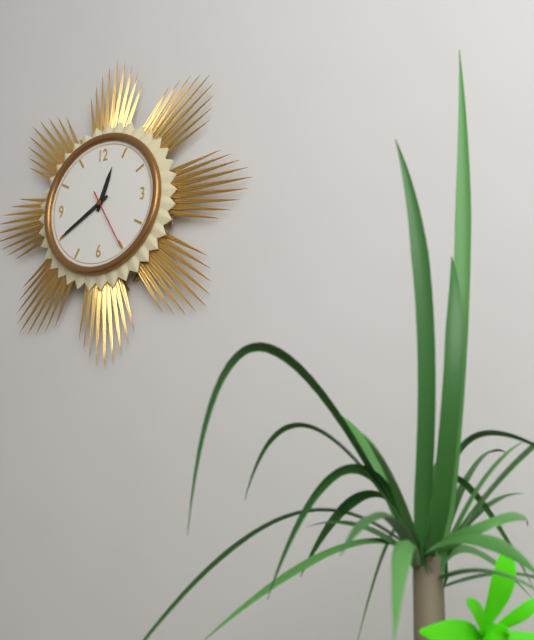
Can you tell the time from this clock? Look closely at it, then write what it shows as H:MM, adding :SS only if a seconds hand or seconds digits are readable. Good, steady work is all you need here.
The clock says 12:40:25
